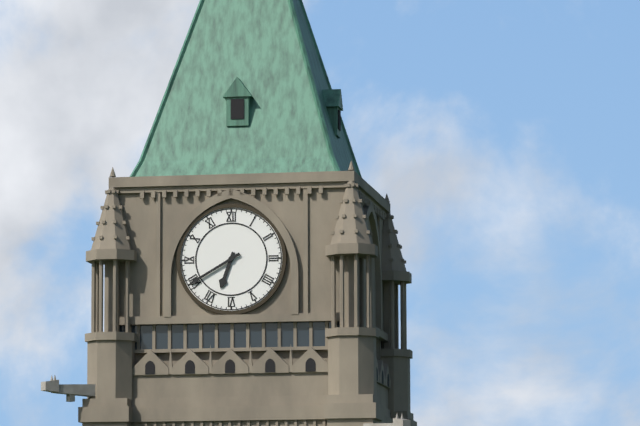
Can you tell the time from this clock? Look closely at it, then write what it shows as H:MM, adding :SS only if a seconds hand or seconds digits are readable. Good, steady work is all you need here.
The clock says 6:40
